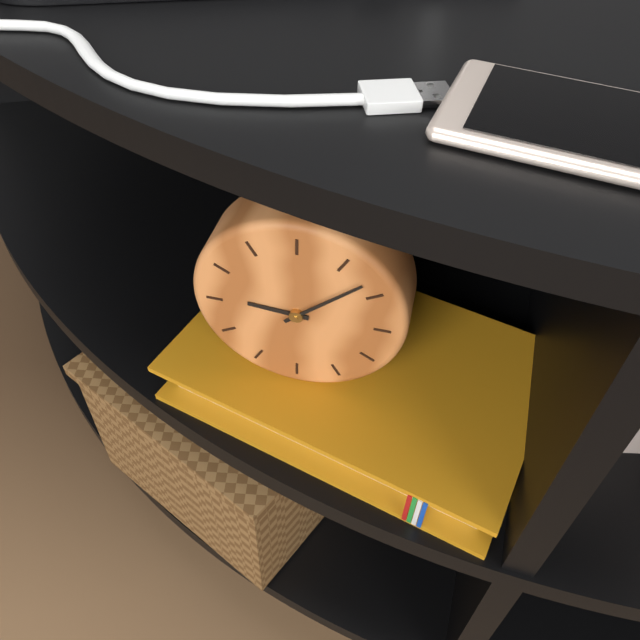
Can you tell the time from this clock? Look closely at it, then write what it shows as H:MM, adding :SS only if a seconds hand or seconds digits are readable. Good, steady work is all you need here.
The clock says 9:08
